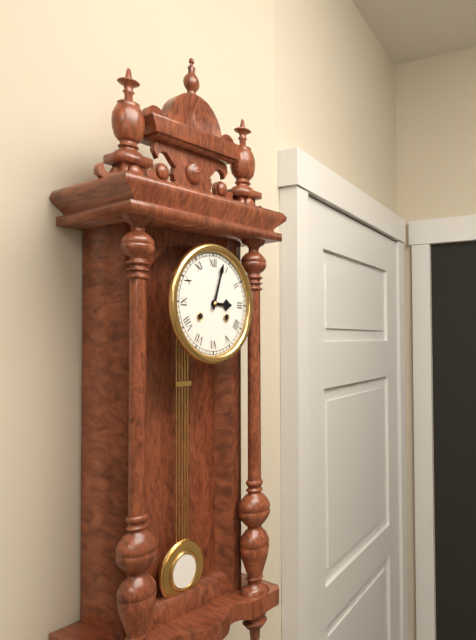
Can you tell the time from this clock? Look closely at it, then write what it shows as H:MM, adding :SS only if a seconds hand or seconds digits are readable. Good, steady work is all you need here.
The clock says 3:03
